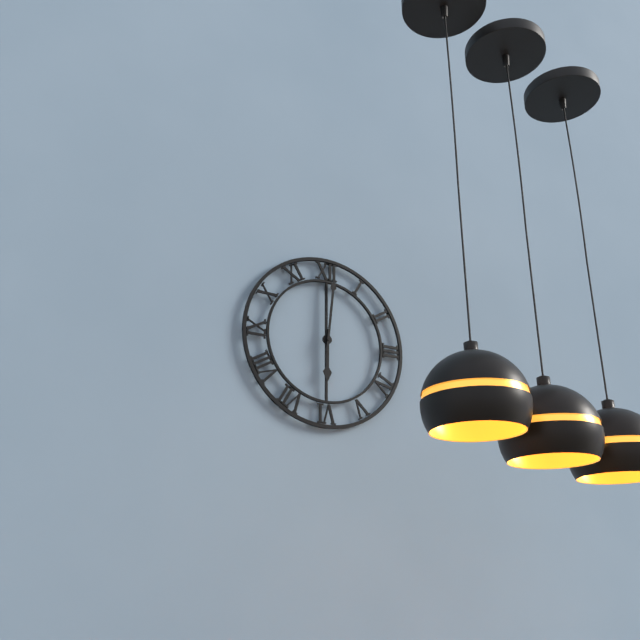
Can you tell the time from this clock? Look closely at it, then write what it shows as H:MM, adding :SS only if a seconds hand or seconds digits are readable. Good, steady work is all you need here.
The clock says 6:01
